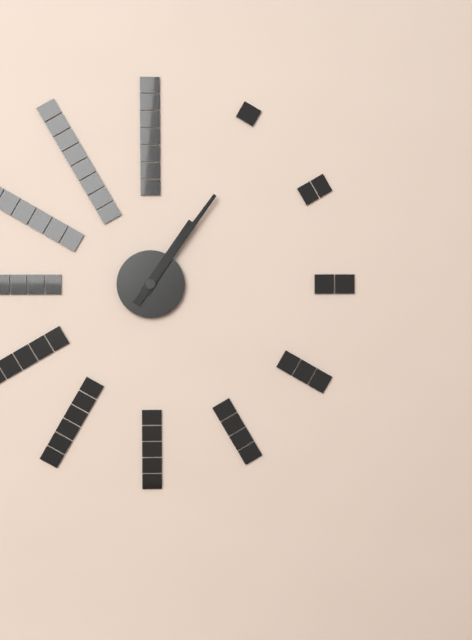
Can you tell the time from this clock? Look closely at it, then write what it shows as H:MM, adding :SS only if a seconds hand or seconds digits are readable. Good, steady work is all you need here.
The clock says 1:06
